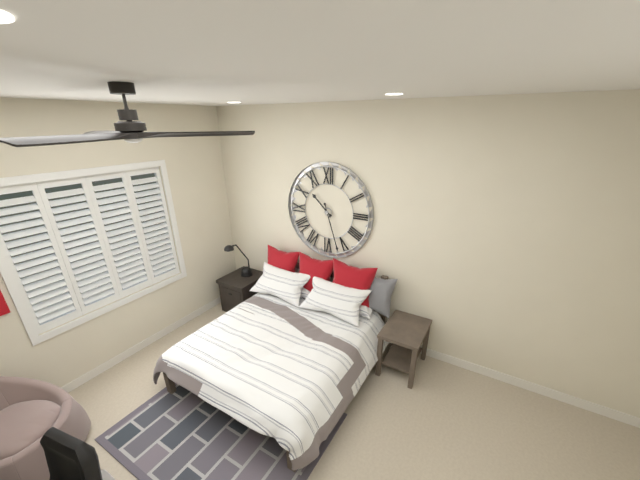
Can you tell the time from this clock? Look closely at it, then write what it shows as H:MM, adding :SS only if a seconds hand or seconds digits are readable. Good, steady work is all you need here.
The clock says 10:27
